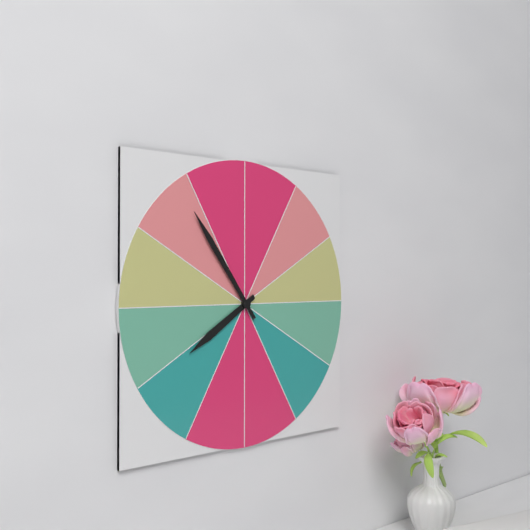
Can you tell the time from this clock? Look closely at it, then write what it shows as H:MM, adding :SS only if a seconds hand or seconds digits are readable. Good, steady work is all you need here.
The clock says 7:54
